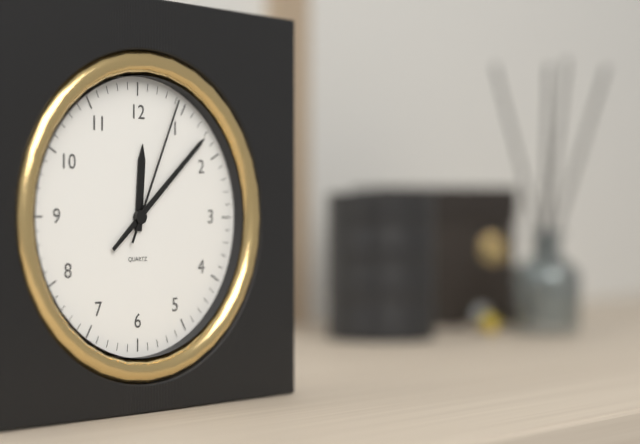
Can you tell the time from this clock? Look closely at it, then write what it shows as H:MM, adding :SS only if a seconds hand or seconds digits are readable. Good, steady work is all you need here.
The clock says 12:08:04
